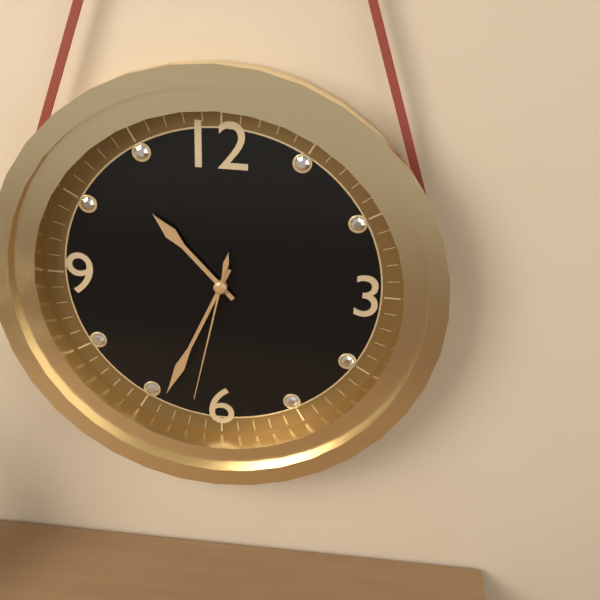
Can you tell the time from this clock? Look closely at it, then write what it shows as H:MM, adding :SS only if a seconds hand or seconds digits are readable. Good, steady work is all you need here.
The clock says 10:34:32
